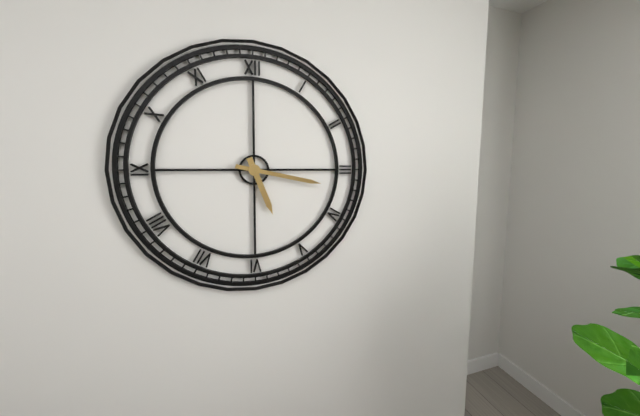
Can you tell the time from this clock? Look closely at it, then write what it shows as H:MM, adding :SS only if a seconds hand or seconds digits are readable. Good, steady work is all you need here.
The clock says 5:17
